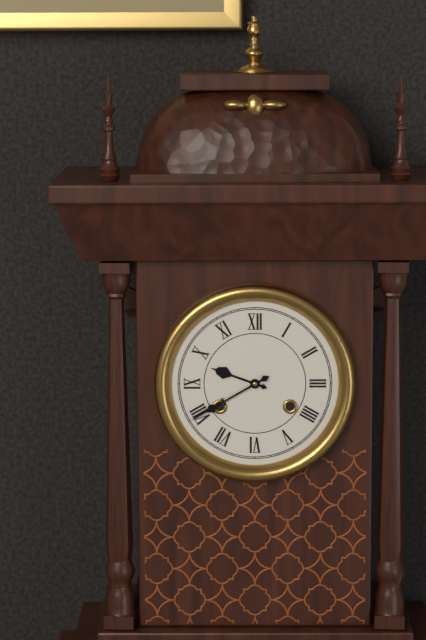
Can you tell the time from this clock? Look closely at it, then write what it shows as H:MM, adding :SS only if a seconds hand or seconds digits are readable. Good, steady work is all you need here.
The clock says 9:40
